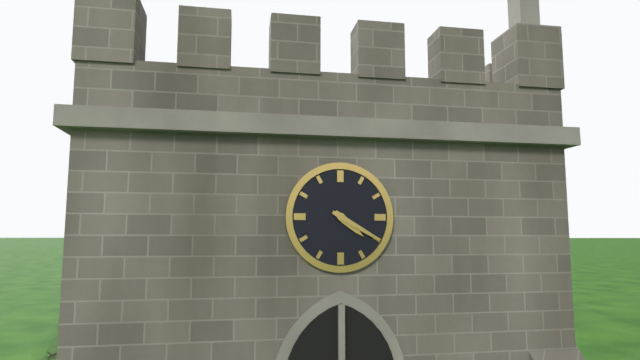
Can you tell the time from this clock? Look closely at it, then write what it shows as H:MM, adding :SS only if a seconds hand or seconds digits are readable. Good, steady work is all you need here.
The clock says 4:20
